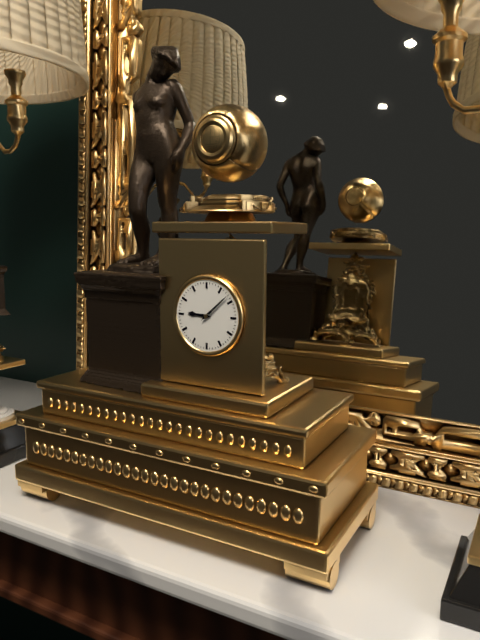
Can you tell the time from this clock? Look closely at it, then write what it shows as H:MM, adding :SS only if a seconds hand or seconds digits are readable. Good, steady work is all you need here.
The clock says 9:08
